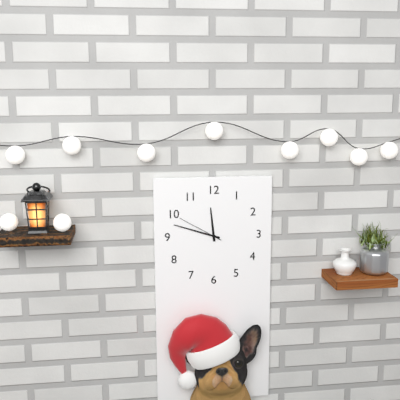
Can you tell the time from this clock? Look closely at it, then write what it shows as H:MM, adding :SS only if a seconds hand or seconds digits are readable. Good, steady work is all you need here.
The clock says 11:48
